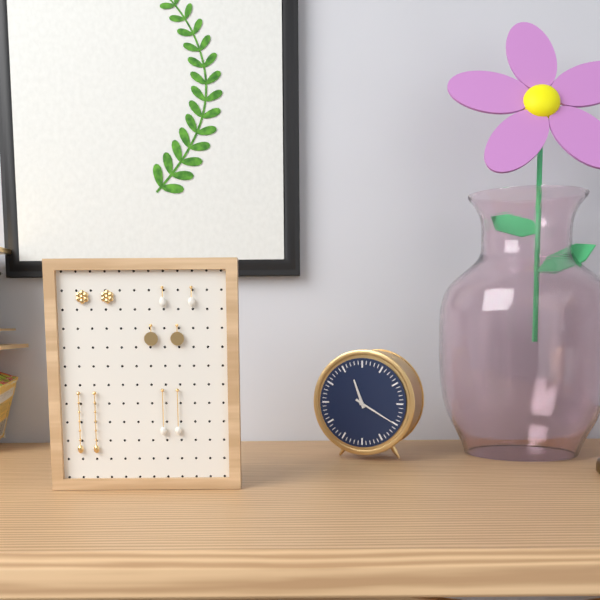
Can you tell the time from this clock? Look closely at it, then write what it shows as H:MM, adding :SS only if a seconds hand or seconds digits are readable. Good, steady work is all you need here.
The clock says 11:20
